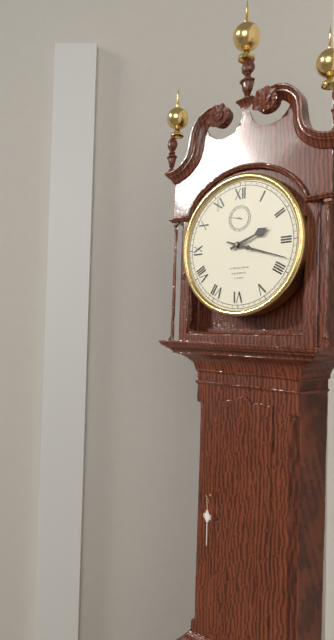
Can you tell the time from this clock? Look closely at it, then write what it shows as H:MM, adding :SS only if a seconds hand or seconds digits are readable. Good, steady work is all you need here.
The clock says 2:18
